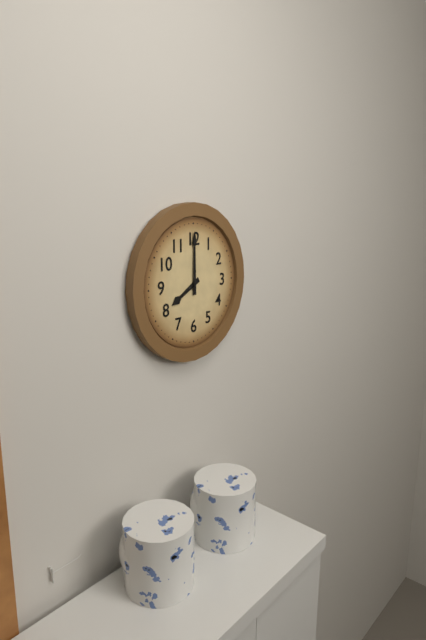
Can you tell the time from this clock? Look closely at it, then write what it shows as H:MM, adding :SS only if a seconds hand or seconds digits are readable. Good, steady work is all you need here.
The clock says 8:00
